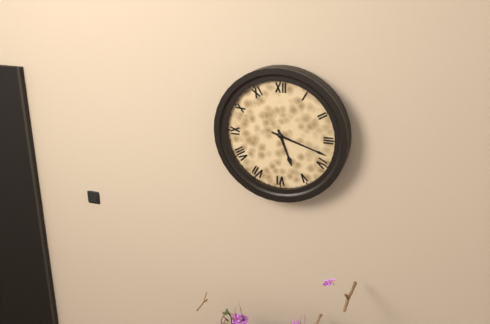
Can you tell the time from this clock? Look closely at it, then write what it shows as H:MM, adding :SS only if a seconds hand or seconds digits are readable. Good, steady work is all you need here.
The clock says 5:18
